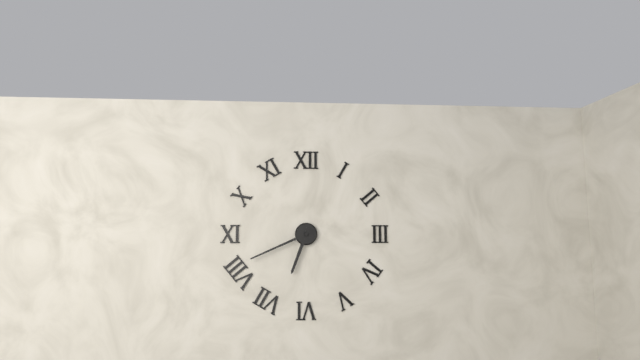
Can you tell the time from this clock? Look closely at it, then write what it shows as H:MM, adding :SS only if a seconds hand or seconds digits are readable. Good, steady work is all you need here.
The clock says 6:41
